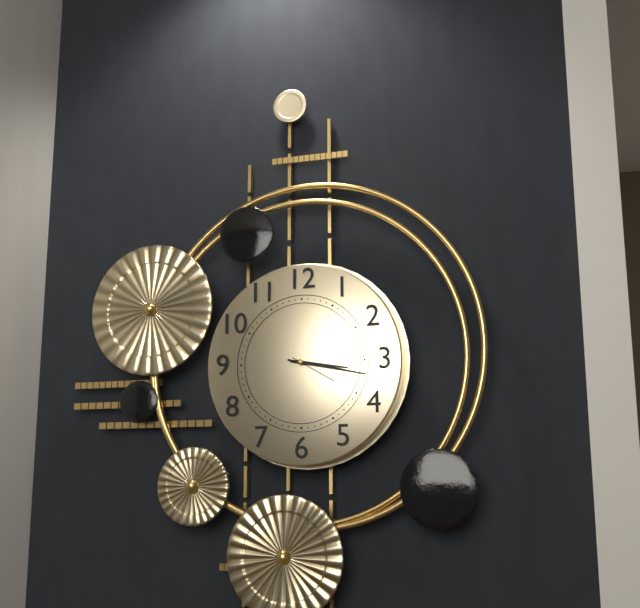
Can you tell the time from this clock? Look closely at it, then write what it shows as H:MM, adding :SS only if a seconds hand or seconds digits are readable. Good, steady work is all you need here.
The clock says 3:17
